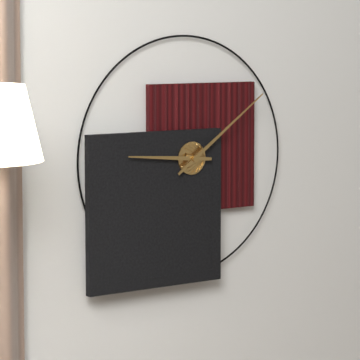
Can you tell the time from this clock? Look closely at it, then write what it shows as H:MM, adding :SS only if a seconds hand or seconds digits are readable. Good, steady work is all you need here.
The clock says 9:09
